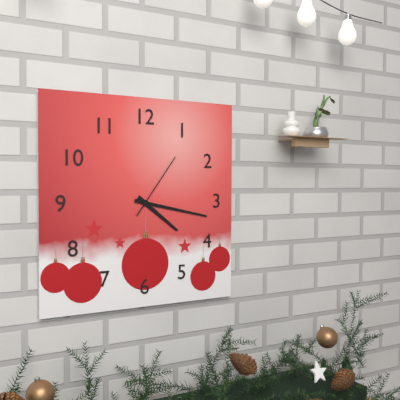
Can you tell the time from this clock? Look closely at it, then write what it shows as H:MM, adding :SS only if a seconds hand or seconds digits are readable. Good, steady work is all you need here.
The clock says 4:17:06
